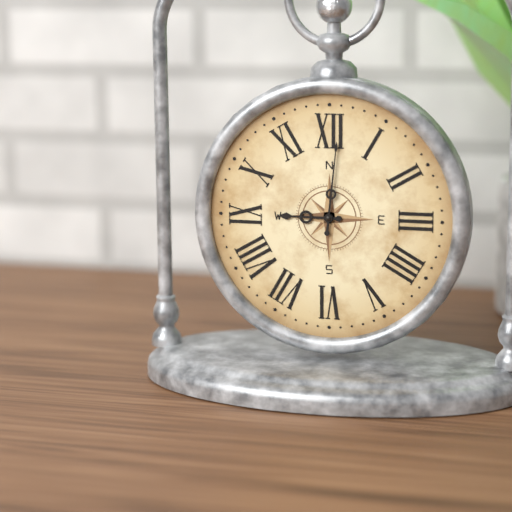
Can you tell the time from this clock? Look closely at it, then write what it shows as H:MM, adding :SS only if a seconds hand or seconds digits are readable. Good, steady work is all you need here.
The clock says 9:01
